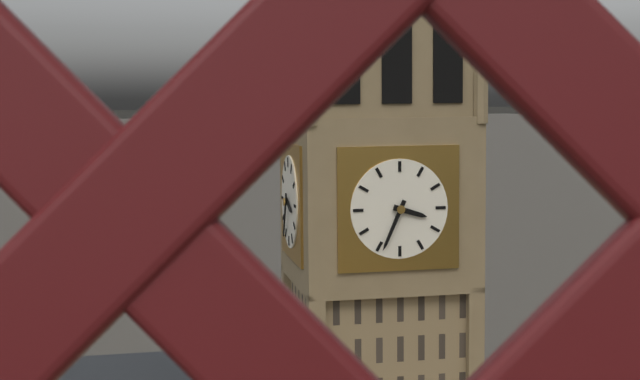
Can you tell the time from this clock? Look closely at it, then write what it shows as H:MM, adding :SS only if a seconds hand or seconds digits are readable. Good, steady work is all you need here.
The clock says 3:34
